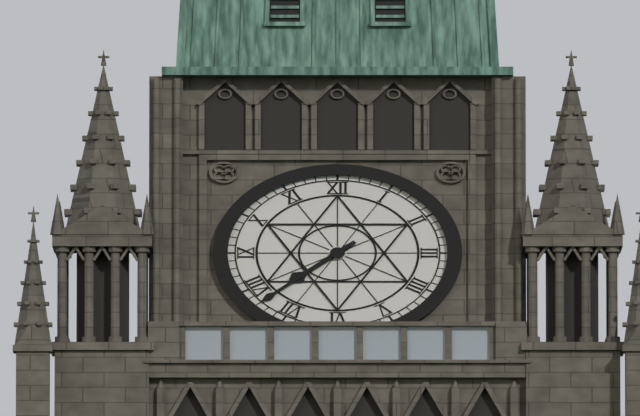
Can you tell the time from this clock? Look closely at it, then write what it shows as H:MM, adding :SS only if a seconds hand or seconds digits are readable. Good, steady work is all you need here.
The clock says 7:38
